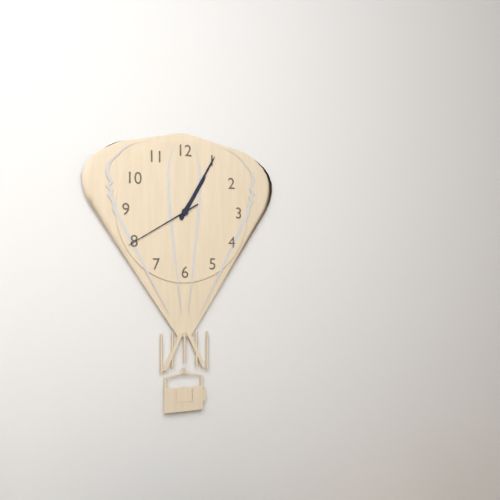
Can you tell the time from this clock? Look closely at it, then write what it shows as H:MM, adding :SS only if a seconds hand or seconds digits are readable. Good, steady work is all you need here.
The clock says 1:05:40
